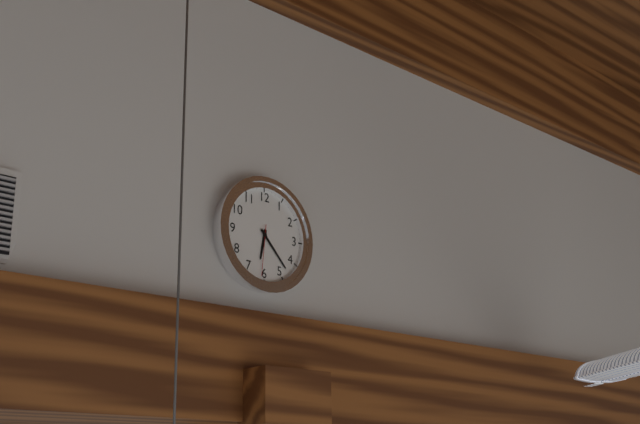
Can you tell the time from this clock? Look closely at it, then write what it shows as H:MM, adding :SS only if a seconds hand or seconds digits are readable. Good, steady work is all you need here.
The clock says 6:23:31
